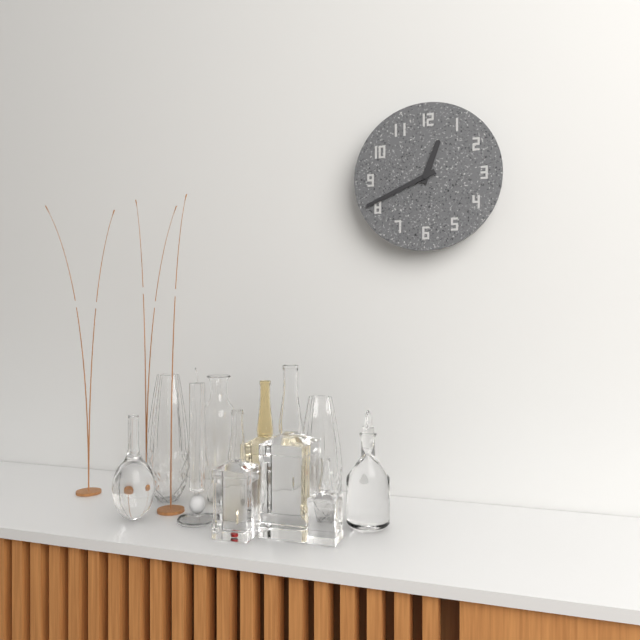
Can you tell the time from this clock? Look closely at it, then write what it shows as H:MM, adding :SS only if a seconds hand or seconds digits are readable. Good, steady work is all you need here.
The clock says 12:41
